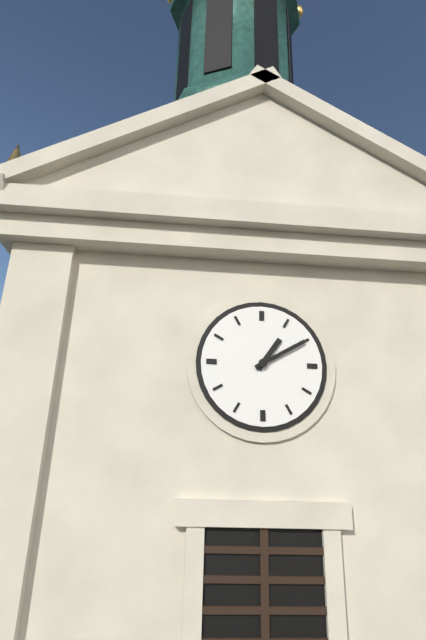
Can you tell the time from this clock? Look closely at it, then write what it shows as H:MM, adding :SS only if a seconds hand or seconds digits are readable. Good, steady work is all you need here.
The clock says 1:10
